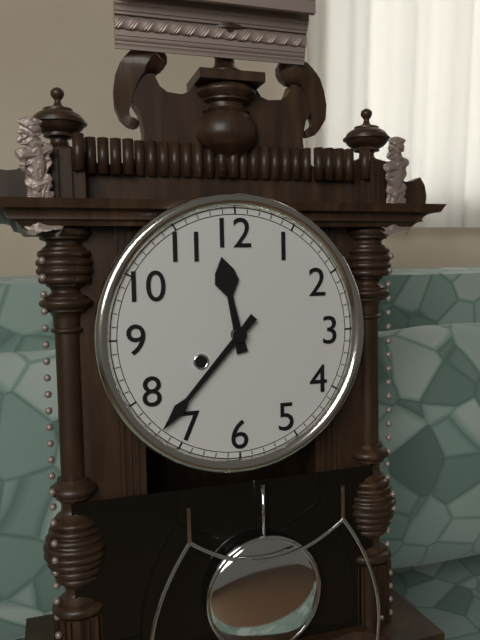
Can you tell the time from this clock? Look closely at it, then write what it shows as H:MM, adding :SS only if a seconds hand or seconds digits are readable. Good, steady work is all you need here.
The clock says 11:37
